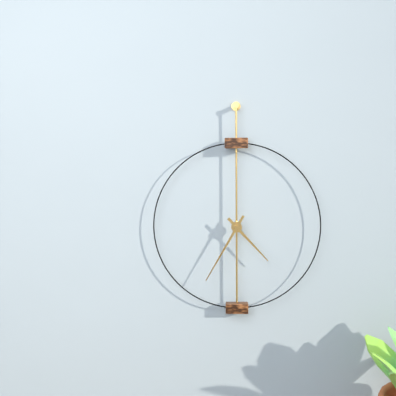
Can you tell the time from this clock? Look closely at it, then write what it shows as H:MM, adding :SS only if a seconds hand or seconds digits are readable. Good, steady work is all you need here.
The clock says 4:35
